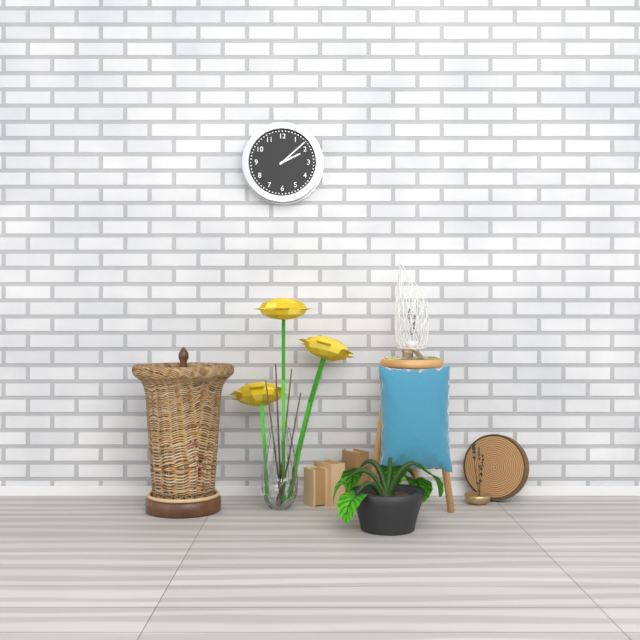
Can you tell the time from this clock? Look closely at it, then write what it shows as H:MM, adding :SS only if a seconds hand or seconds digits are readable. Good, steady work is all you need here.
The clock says 2:08
